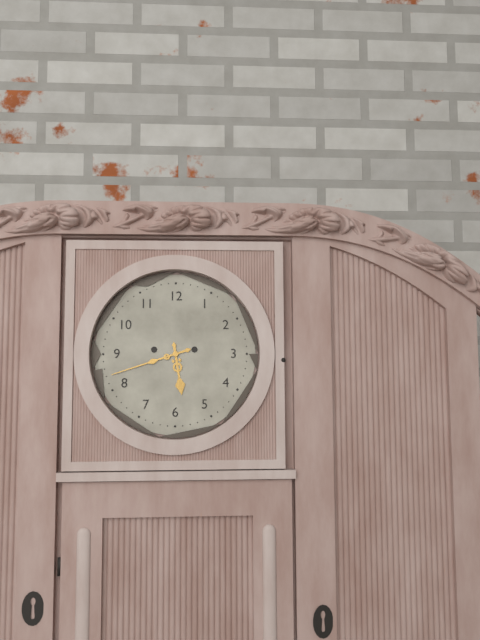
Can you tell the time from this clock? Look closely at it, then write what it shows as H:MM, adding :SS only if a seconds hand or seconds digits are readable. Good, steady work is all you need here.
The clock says 5:42
